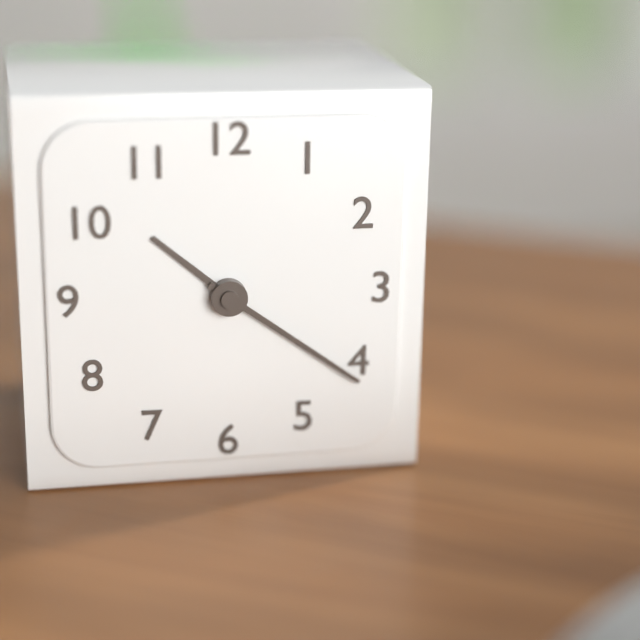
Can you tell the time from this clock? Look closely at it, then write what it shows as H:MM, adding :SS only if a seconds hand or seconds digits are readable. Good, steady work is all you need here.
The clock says 10:21
